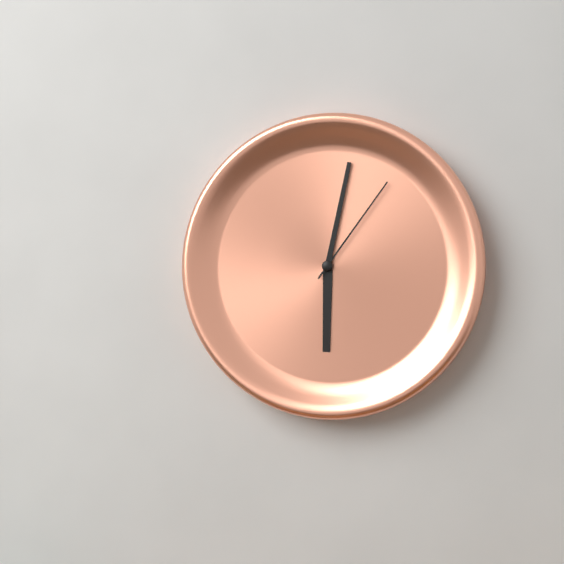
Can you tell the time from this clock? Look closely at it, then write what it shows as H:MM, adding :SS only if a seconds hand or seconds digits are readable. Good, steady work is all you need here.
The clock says 6:02:06
